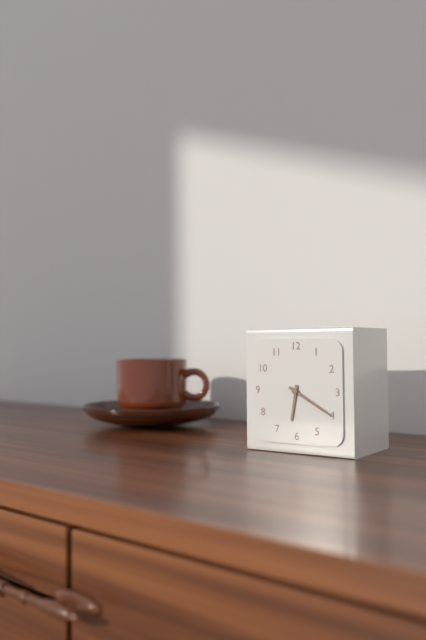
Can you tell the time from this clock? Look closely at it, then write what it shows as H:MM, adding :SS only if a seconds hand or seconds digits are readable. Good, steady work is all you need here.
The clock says 6:20
